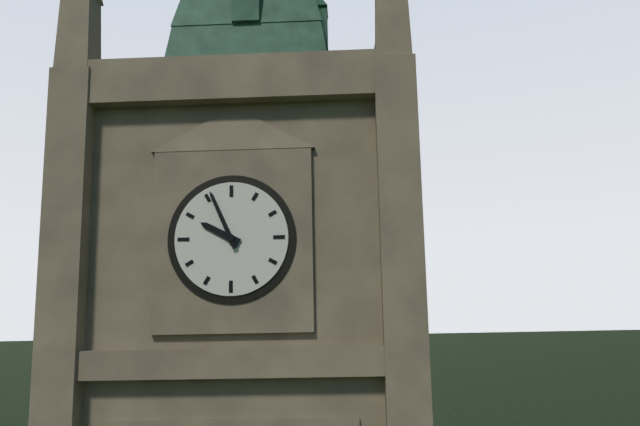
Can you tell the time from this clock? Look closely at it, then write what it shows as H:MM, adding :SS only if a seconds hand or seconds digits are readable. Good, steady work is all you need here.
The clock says 9:56
